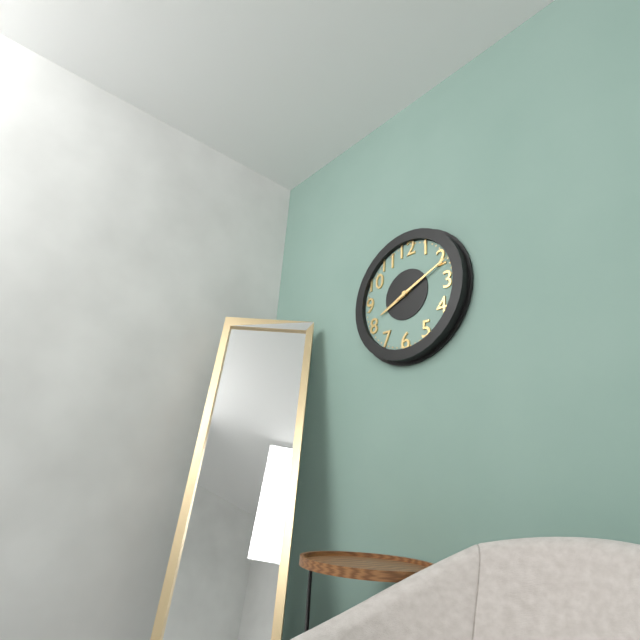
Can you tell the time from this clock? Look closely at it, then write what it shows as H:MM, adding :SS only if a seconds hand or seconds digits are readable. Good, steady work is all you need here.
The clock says 8:11
